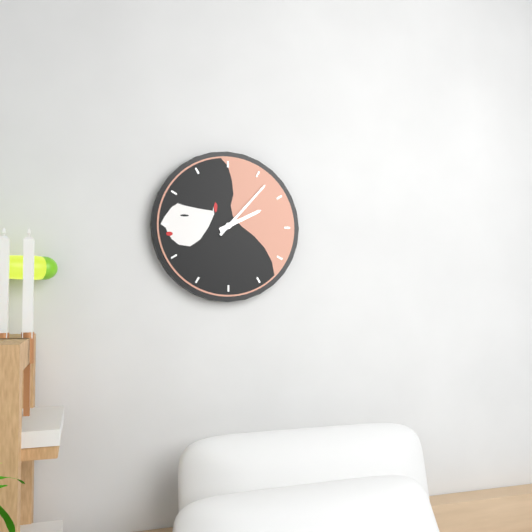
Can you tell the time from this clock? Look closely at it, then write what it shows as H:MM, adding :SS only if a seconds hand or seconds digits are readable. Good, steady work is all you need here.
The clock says 2:07
